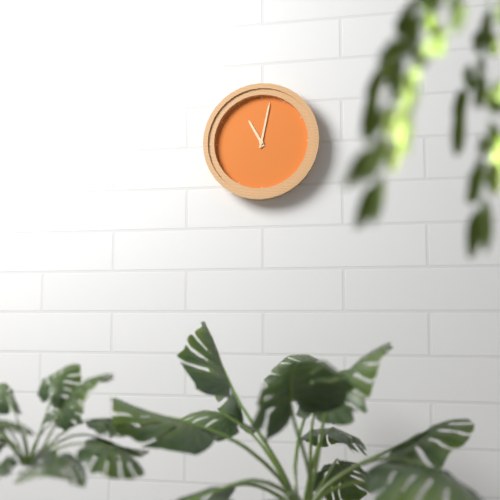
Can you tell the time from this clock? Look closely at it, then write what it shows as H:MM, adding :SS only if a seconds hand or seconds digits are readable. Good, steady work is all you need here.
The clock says 11:02
